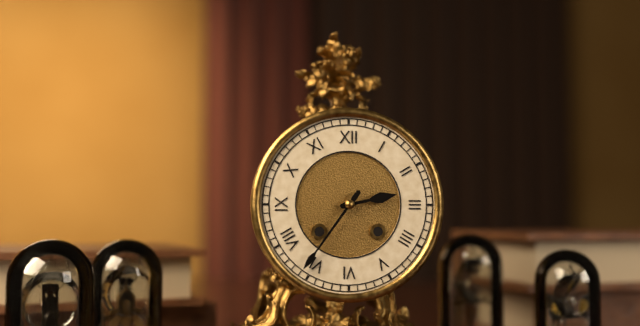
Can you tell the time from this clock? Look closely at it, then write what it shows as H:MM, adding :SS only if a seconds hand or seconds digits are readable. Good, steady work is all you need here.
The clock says 2:36
